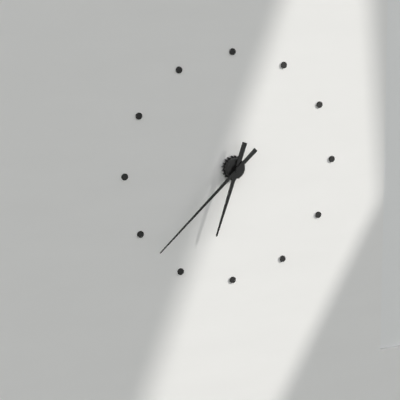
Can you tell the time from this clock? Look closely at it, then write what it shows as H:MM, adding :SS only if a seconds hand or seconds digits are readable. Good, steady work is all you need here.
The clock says 6:38
